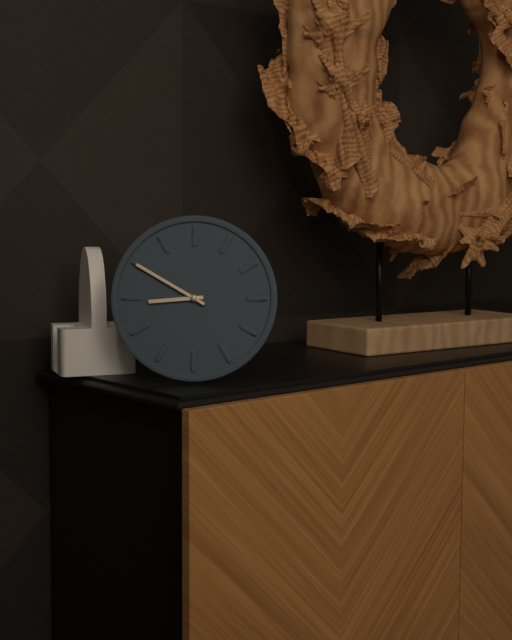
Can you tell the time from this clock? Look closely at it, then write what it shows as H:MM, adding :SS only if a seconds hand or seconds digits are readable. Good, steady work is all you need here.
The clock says 8:50
